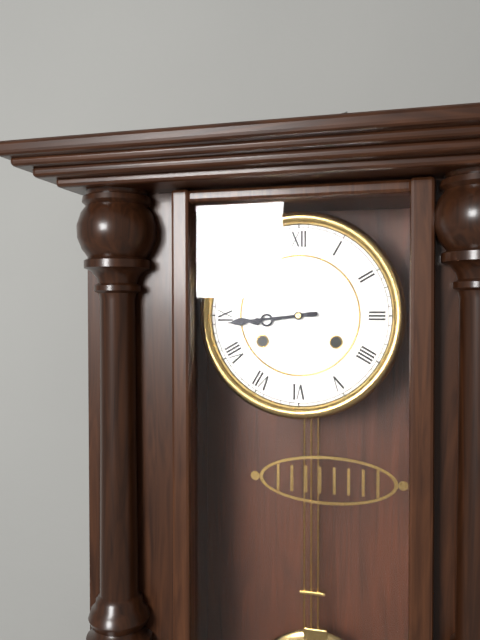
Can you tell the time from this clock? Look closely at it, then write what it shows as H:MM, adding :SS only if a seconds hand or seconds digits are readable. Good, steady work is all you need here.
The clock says 8:44
